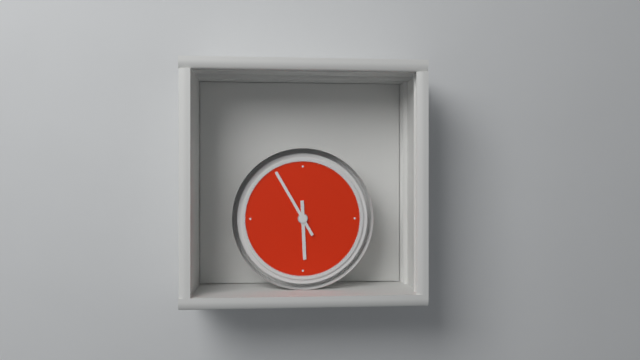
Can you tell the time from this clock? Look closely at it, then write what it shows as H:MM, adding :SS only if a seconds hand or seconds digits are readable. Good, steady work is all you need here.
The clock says 5:55
